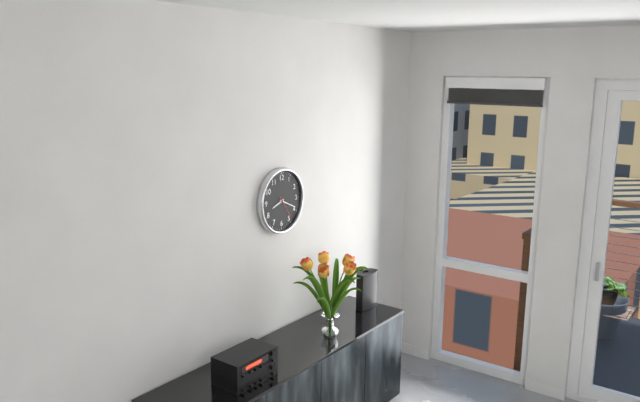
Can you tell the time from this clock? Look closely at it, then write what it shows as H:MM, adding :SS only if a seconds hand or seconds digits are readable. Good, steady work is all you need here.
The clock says 8:19
